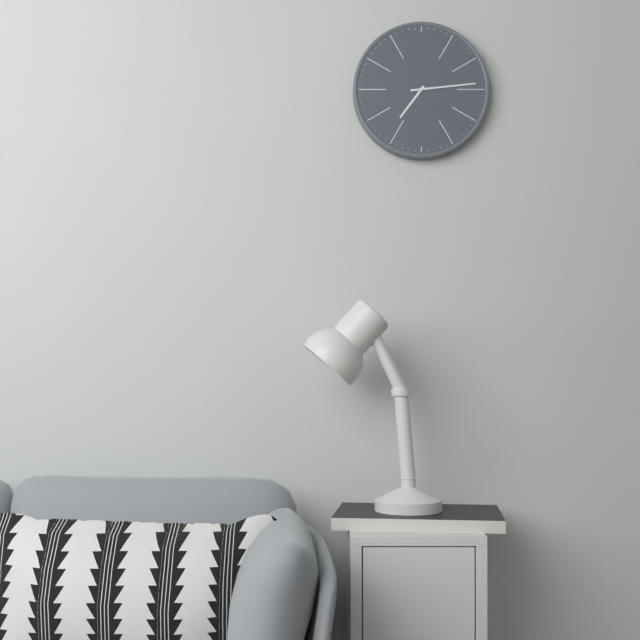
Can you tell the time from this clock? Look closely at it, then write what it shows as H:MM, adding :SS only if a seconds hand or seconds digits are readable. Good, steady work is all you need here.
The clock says 7:14
